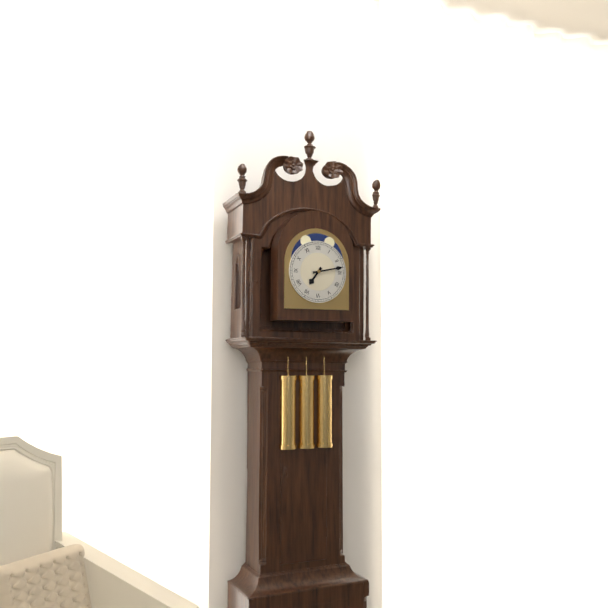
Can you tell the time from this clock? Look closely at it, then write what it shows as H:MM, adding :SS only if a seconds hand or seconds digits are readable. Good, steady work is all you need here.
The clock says 7:13
